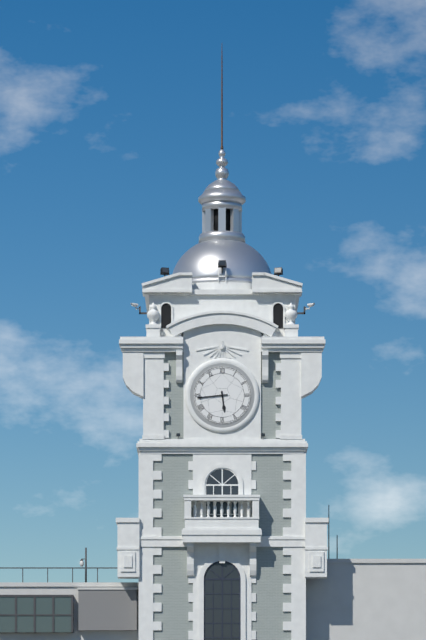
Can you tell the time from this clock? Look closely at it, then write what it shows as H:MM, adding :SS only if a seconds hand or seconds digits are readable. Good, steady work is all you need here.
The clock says 5:44
